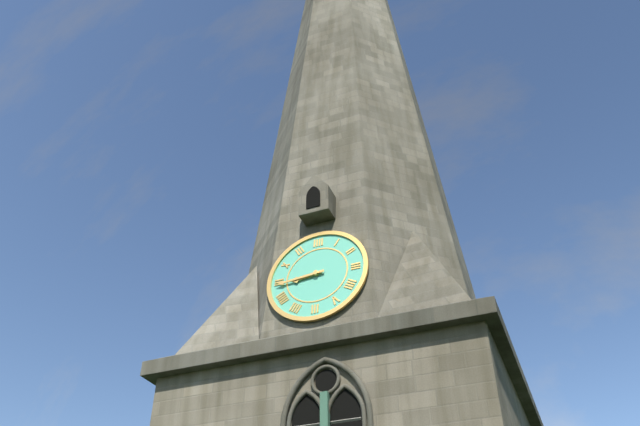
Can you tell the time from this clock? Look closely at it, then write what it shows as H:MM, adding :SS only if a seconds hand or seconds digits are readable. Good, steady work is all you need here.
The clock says 8:44
